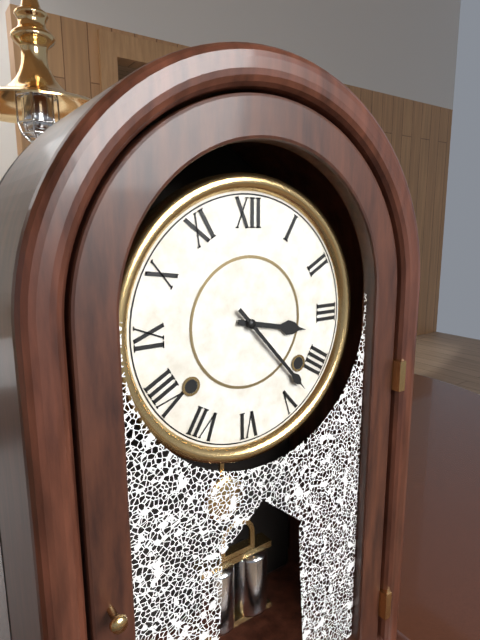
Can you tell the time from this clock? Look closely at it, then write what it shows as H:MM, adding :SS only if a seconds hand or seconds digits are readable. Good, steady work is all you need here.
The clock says 3:23
